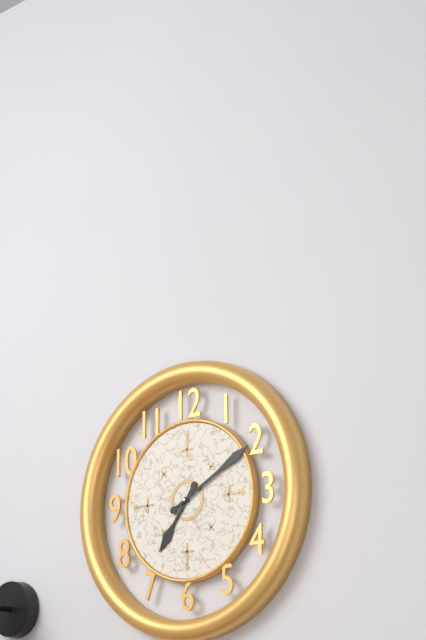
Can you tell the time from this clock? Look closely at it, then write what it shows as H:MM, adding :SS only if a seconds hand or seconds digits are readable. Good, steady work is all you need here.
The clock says 7:10
